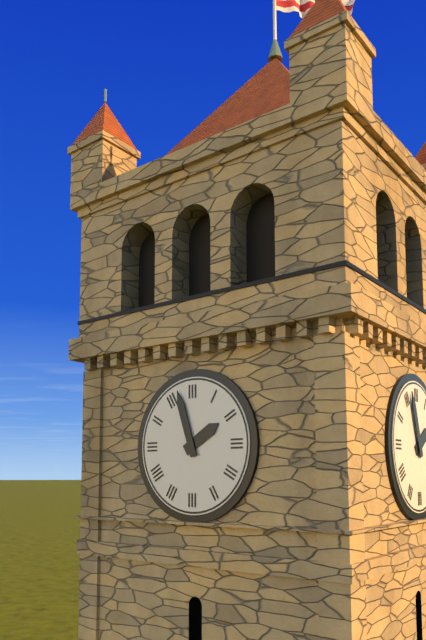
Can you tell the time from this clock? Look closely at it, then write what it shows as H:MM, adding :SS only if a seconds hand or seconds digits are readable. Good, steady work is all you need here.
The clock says 1:57
